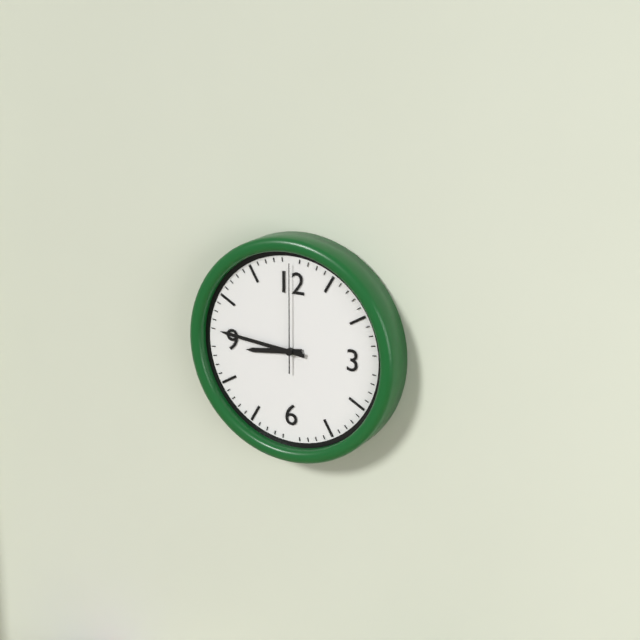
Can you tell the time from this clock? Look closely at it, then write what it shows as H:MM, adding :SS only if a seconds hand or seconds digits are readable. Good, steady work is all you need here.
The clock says 8:46:00
